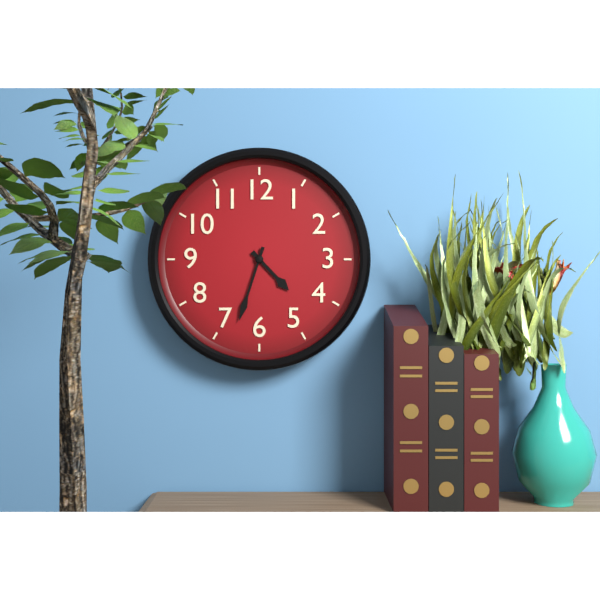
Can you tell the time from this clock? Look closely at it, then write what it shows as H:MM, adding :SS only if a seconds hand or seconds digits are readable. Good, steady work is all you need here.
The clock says 4:33
